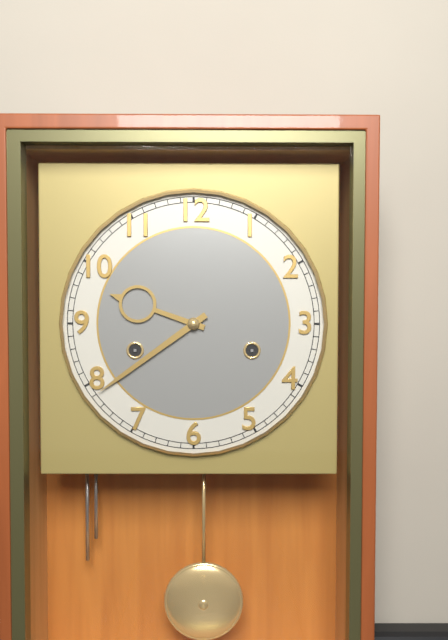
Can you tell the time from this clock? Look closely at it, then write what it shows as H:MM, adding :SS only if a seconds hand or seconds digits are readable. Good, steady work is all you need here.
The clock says 9:39
